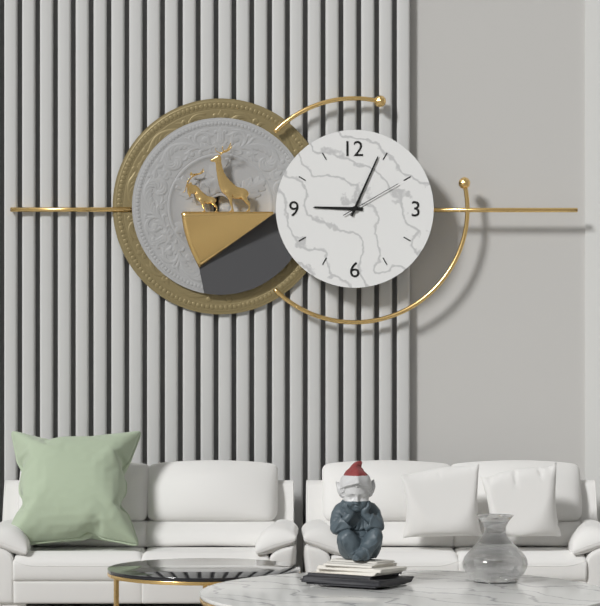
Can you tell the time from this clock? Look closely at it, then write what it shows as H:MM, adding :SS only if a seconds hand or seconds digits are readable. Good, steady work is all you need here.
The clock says 9:04:10
